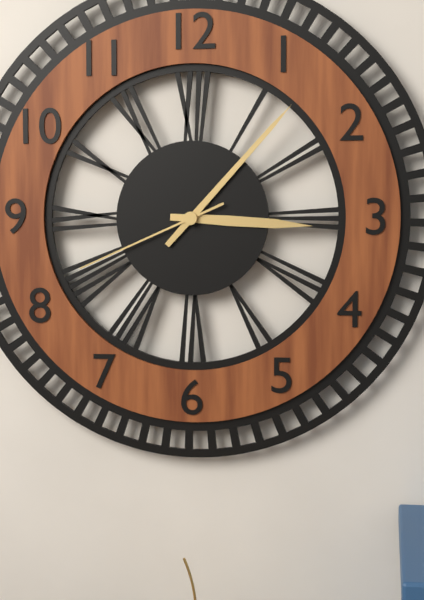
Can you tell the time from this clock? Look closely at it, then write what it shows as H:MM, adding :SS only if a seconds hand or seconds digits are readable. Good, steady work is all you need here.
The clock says 3:07:41
